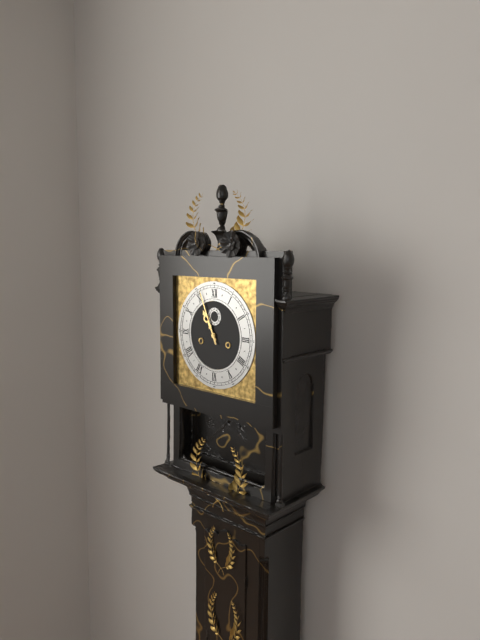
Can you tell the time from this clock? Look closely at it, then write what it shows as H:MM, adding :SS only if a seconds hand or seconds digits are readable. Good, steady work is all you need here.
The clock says 10:56
